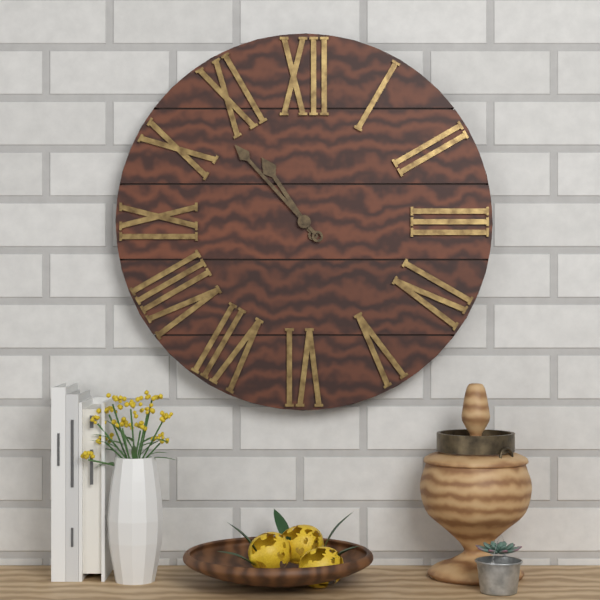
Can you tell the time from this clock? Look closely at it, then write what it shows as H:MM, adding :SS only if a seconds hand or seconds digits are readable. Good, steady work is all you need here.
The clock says 10:53
